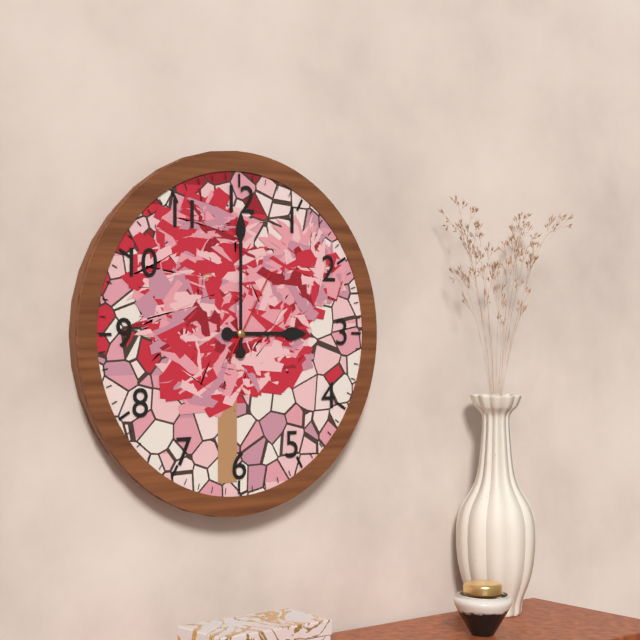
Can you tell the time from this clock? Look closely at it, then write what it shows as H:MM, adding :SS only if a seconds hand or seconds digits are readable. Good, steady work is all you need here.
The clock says 3:00:05
